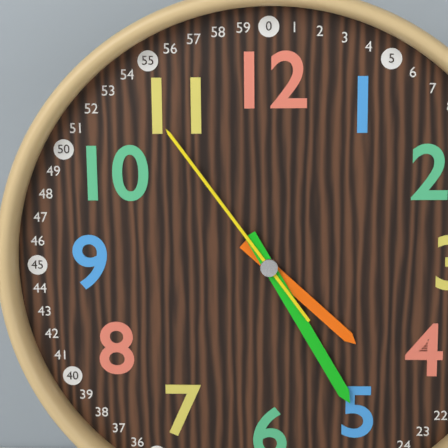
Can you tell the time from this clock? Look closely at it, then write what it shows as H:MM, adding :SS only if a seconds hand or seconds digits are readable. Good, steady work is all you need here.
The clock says 4:25:54
